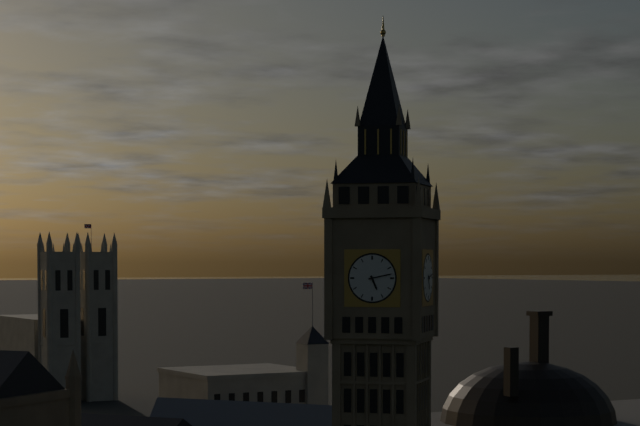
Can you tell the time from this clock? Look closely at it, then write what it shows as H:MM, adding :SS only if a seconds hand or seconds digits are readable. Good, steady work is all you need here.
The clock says 5:13
